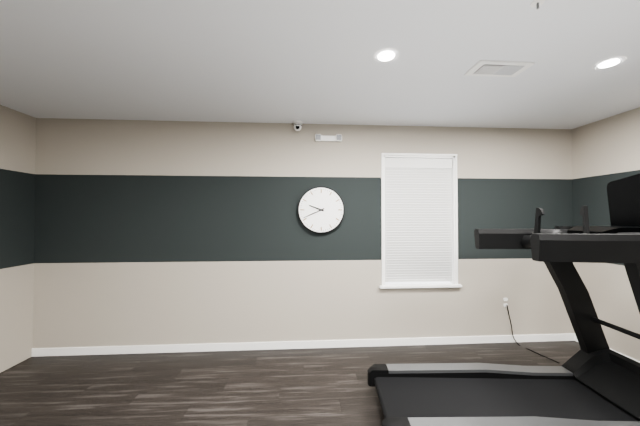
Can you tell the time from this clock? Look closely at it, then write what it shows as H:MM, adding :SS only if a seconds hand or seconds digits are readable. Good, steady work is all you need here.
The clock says 9:41
